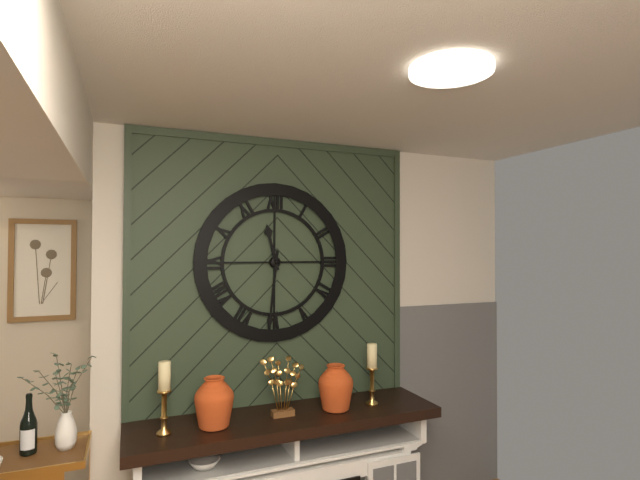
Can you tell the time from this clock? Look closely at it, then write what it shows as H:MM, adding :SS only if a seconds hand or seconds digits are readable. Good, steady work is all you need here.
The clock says 11:31
